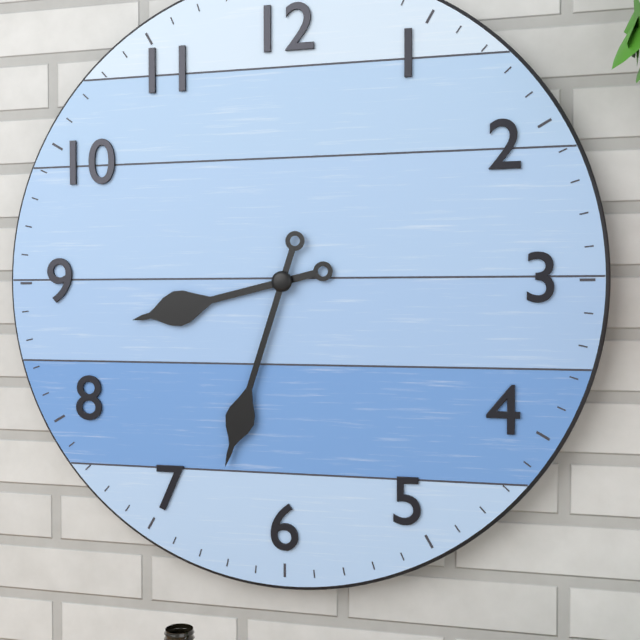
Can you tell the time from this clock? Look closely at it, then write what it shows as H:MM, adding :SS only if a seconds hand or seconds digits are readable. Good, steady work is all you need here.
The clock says 8:33
